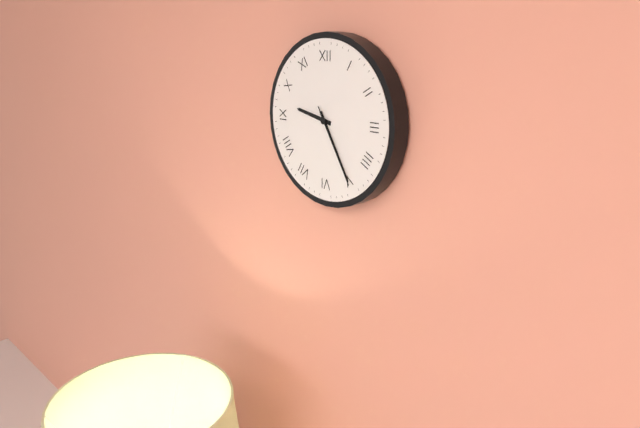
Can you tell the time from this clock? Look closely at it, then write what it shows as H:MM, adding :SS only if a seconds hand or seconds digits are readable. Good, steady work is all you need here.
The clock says 9:25:25
